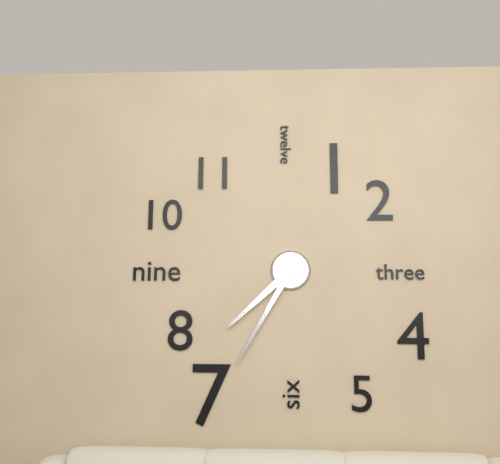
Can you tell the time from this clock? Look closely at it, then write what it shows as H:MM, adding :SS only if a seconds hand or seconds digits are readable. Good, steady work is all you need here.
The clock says 7:35
